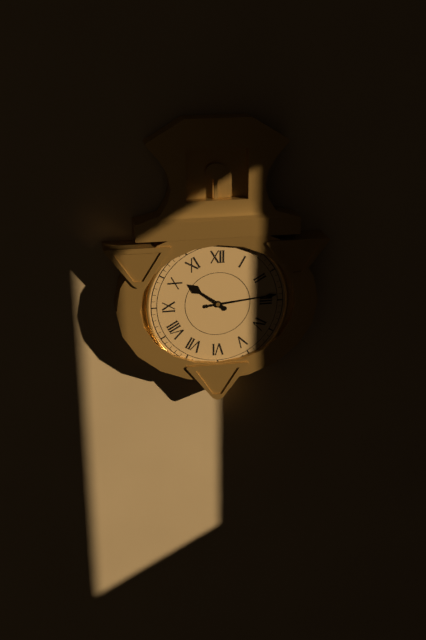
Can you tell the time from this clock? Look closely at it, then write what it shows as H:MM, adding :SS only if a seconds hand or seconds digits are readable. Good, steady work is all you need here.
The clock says 10:14
